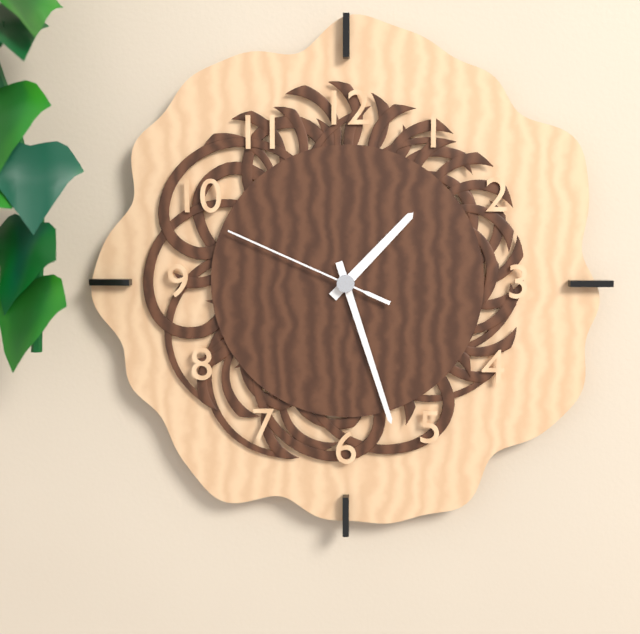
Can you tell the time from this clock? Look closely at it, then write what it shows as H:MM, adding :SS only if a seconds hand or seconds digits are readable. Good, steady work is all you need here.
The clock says 1:27:49
